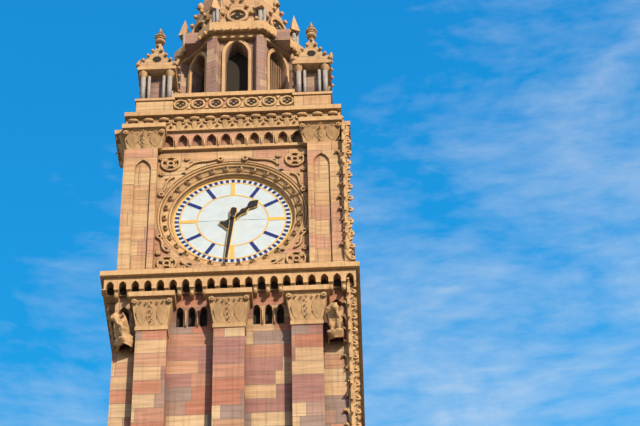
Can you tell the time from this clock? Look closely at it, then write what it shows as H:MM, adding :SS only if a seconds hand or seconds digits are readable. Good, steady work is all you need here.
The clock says 1:31
